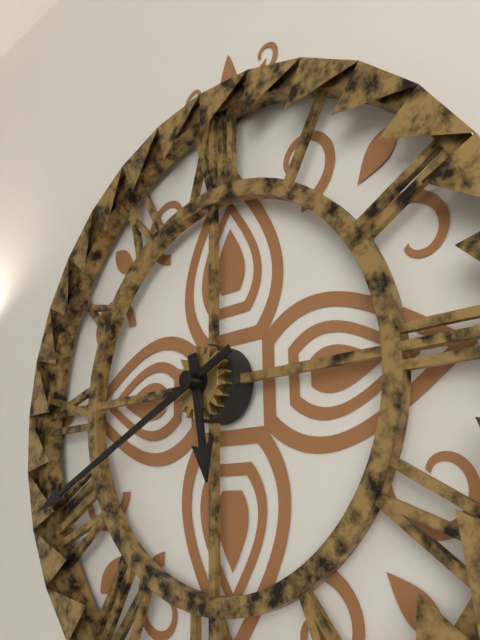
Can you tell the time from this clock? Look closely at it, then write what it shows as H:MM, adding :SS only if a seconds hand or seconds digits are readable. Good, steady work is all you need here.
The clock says 5:41
